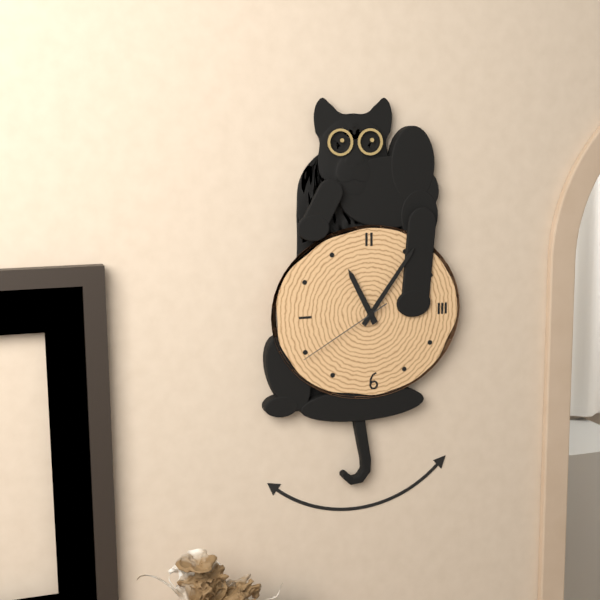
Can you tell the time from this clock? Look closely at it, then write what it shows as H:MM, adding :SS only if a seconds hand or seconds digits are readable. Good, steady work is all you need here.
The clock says 11:06:40
